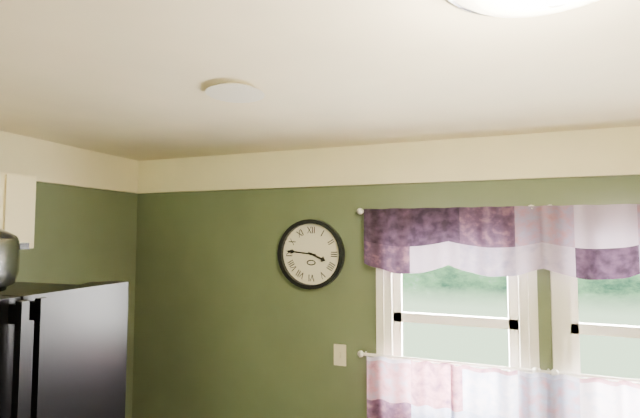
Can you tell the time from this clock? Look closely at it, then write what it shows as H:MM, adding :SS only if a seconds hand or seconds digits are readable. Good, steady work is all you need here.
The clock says 3:46
